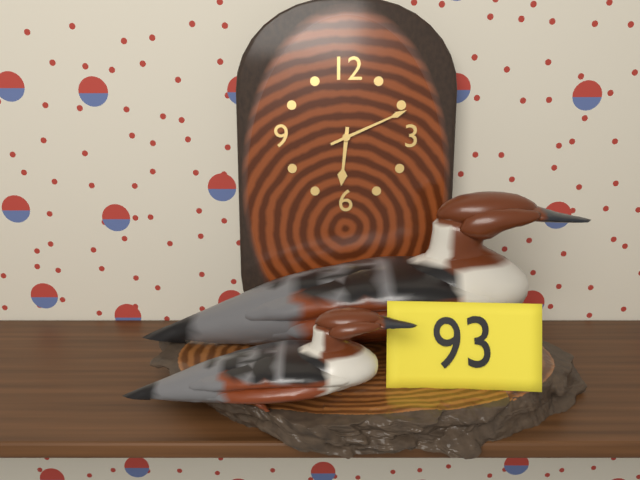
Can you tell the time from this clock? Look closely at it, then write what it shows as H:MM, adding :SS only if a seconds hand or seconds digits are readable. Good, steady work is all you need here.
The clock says 6:11
